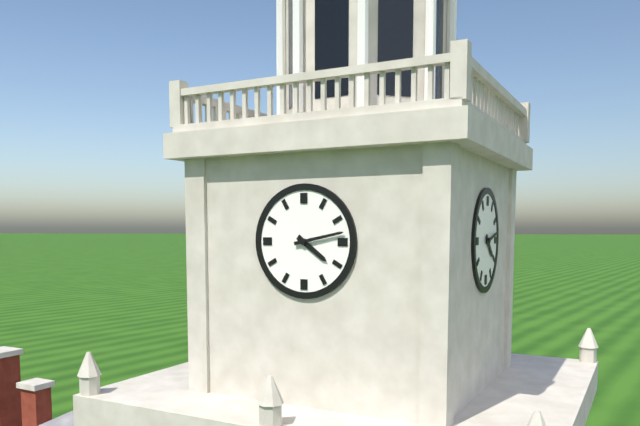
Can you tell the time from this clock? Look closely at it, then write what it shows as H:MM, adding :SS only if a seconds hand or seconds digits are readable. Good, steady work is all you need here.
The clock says 4:13
